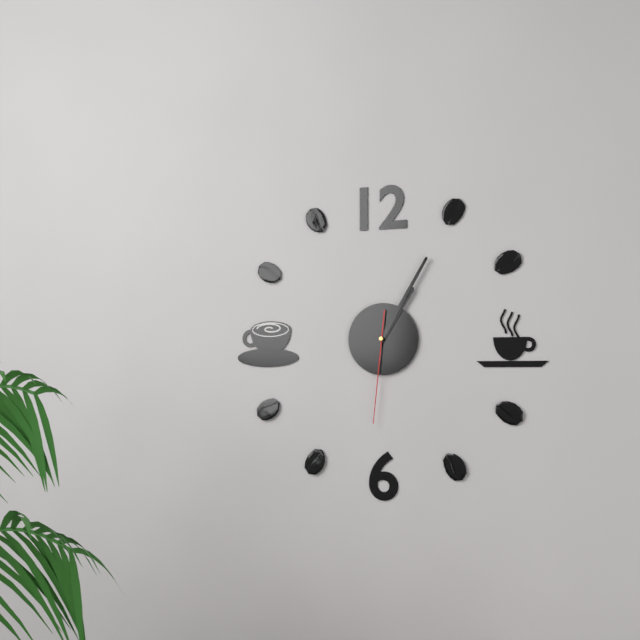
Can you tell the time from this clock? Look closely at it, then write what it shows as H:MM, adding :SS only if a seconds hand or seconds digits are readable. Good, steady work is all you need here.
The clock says 1:05:31
